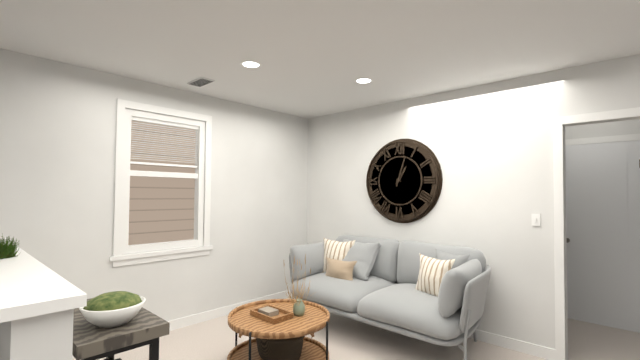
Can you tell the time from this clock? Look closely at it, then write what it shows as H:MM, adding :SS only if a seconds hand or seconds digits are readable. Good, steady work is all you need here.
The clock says 1:03
